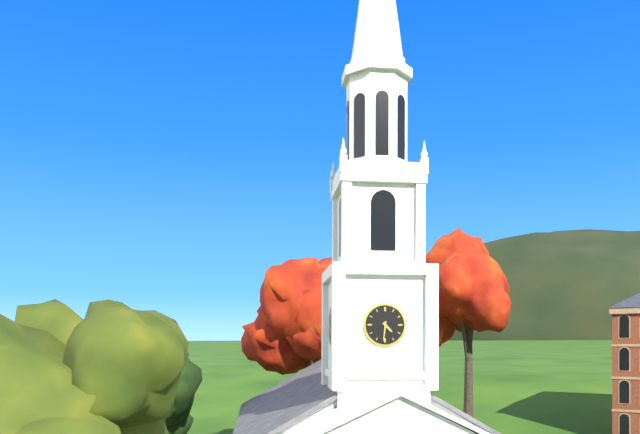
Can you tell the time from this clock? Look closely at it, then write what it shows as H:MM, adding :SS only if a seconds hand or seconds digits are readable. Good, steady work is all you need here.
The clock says 4:31
